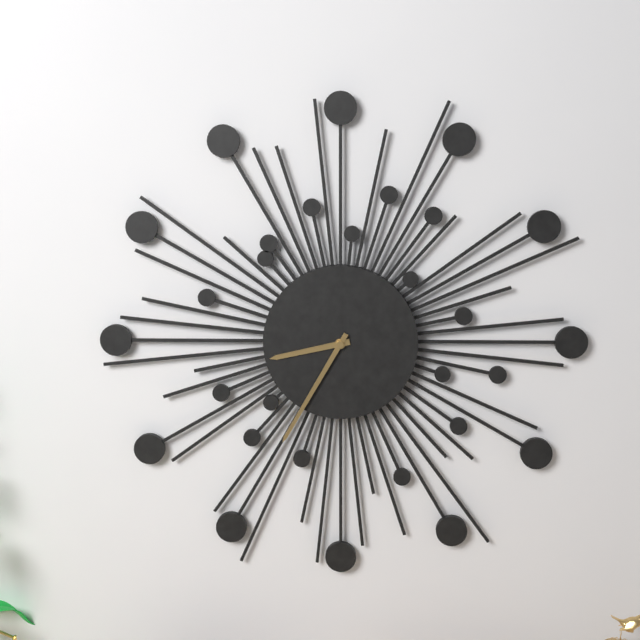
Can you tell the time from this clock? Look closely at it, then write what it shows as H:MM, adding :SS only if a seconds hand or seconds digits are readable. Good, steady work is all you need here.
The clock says 8:35
